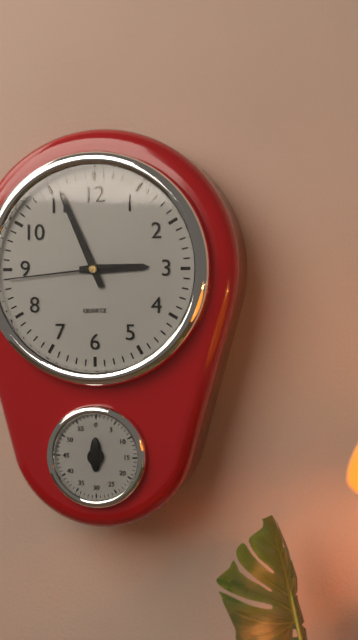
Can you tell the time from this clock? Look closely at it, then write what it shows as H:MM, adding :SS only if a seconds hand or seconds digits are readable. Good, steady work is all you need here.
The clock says 2:56:44
